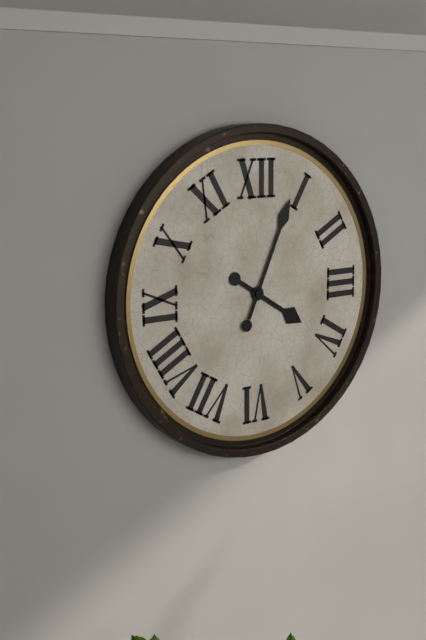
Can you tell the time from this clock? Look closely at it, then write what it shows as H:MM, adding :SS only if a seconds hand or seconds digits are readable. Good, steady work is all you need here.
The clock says 4:04
